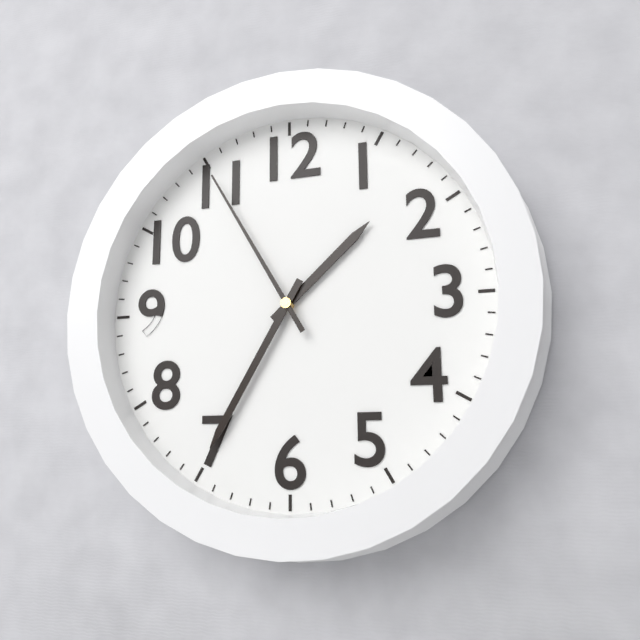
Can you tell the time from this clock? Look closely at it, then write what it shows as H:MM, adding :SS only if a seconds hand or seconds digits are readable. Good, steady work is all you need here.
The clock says 1:35:55
